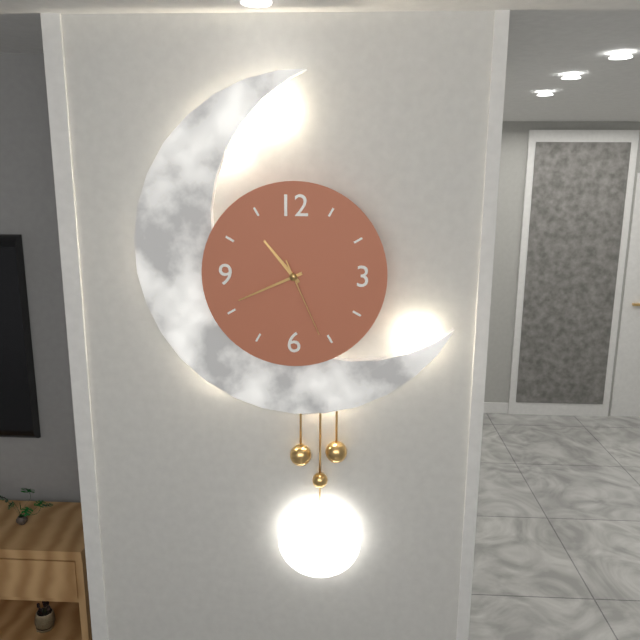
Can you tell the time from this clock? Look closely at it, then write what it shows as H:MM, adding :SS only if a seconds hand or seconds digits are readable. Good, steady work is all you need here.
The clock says 10:41:26
